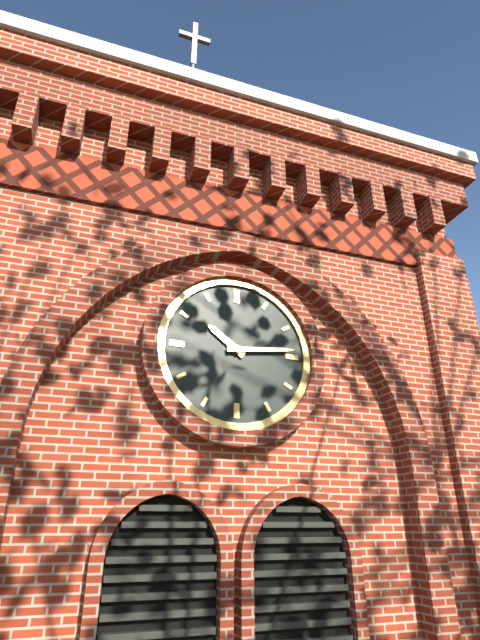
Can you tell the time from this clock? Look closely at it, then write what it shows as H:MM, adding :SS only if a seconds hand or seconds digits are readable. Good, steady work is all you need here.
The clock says 10:14
